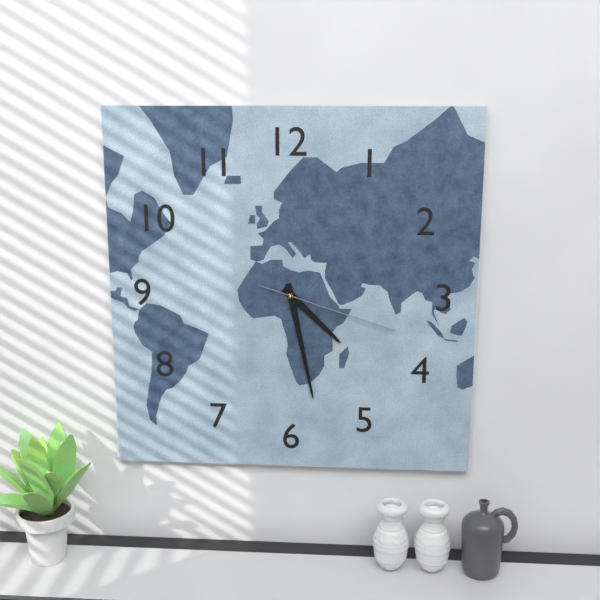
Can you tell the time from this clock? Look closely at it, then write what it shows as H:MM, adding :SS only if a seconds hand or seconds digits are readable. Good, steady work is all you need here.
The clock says 4:28:18
